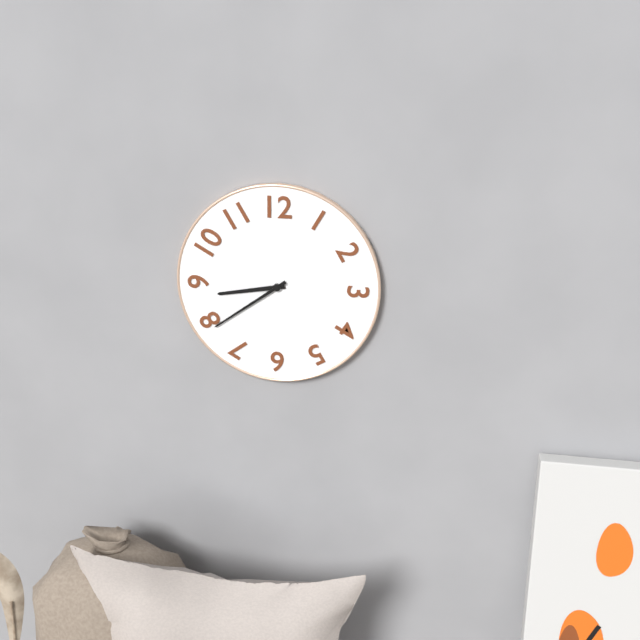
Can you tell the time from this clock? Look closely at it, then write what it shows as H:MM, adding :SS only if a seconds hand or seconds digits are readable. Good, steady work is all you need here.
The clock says 8:39
